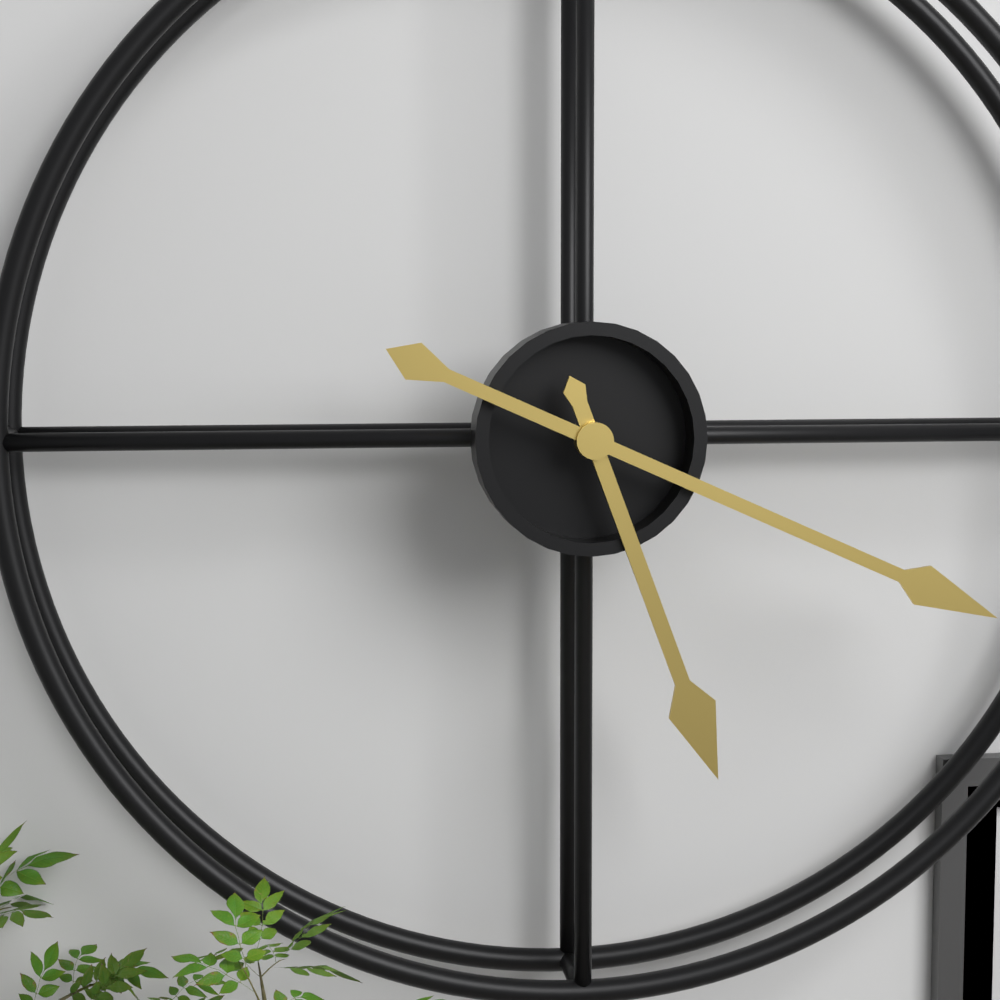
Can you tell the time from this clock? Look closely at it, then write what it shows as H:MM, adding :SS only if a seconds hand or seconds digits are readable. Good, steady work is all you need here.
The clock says 5:19
